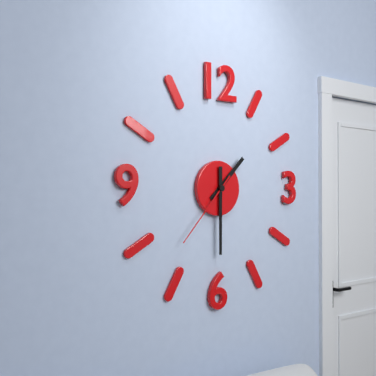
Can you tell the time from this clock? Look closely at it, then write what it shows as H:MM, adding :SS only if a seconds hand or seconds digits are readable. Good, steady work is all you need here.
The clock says 1:30:37
